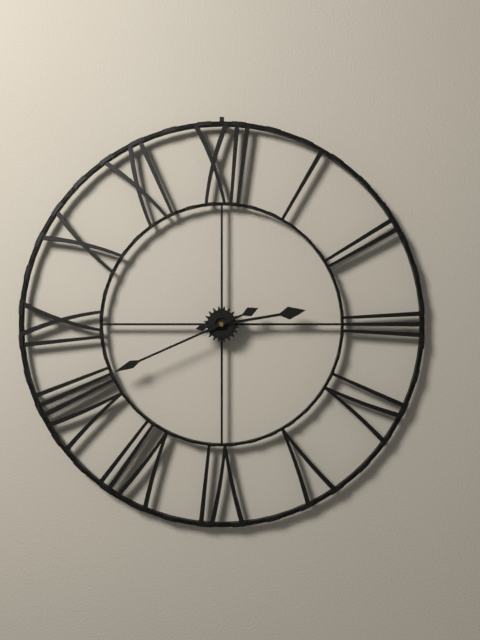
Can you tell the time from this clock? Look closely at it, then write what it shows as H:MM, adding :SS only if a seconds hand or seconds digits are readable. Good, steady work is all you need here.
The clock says 2:41
